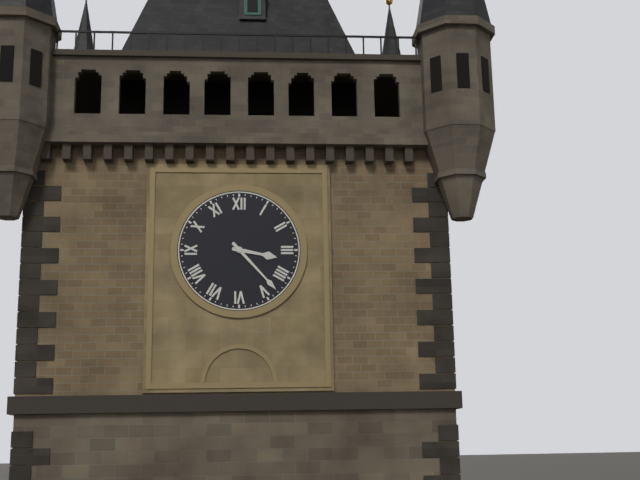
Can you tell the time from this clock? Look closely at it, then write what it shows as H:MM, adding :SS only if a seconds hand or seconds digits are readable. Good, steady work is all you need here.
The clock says 3:23
